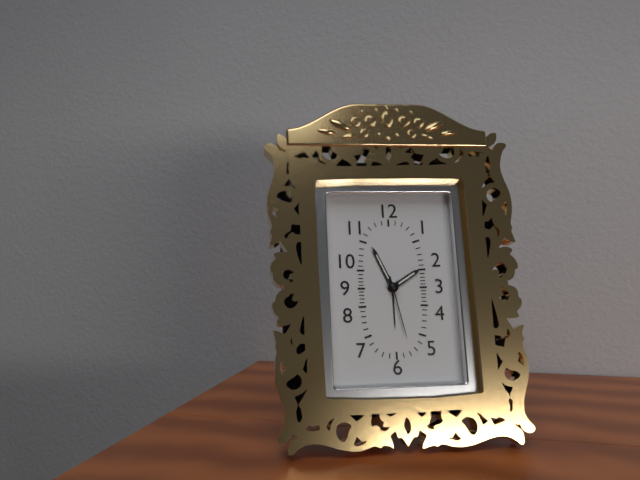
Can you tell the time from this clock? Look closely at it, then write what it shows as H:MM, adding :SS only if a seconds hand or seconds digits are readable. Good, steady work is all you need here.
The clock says 1:56:28
